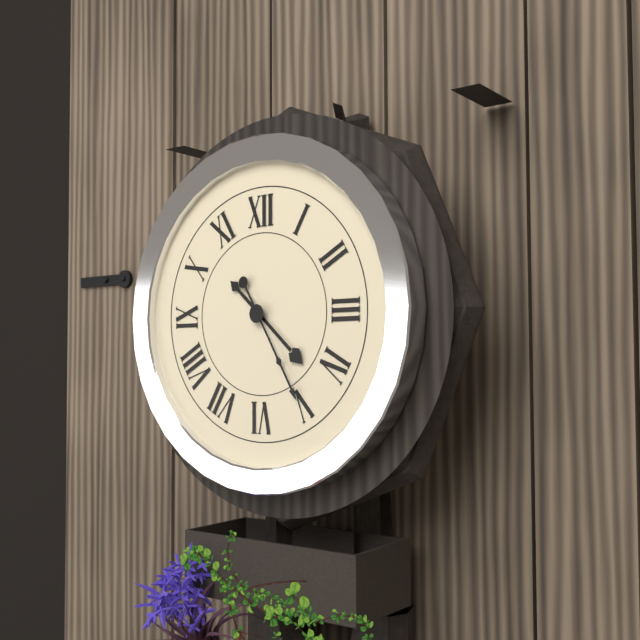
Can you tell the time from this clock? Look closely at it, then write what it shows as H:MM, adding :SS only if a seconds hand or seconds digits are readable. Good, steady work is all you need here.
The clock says 4:25
